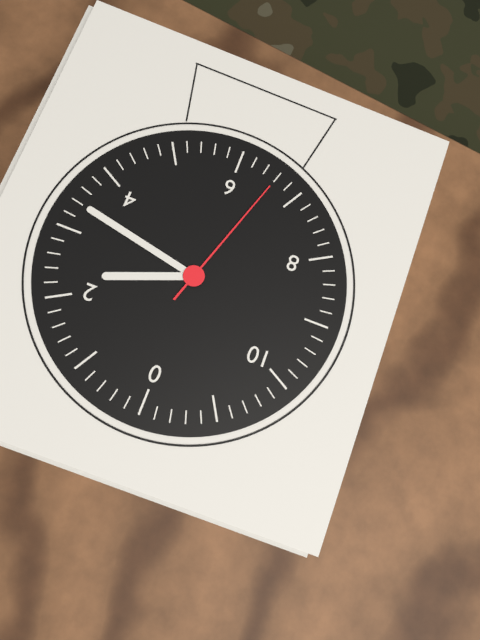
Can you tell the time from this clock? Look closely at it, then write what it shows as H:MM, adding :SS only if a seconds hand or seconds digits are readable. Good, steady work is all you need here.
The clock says 2:17:33
